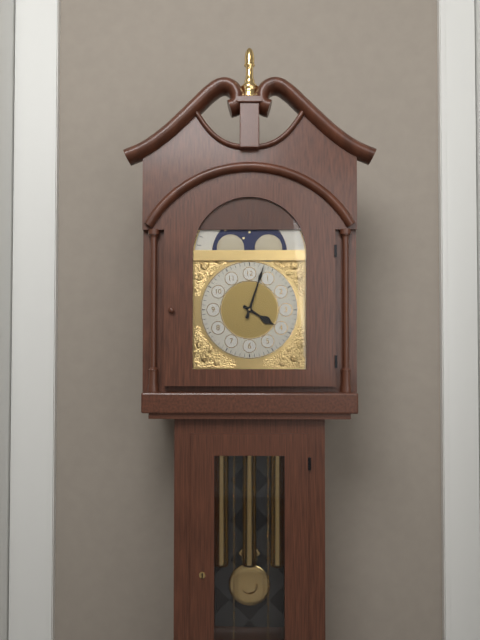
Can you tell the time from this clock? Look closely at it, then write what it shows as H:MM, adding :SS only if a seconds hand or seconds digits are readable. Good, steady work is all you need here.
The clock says 4:03
